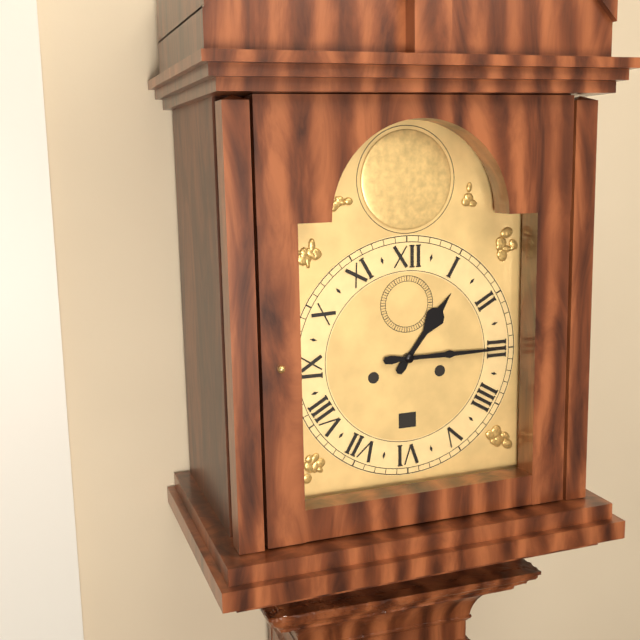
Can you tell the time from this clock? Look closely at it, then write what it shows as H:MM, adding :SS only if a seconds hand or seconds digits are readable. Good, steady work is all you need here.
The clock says 1:15
